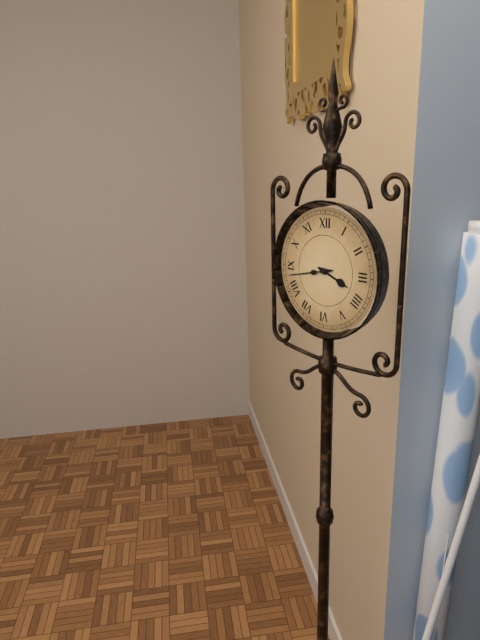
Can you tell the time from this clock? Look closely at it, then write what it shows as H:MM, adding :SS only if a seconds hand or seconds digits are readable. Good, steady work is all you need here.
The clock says 3:43
